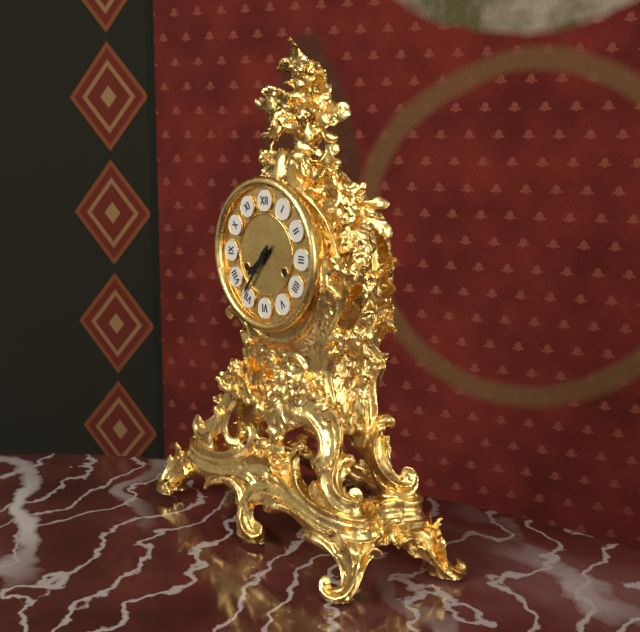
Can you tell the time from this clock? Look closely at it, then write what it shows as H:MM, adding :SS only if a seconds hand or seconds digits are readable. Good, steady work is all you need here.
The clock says 7:36
